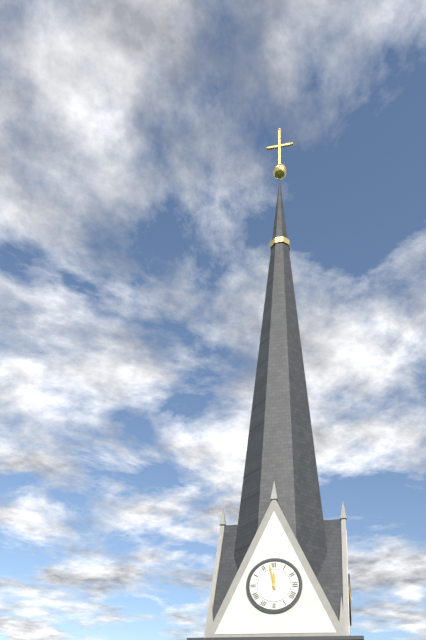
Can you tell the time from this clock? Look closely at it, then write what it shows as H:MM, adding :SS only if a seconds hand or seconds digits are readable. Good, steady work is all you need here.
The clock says 11:58
